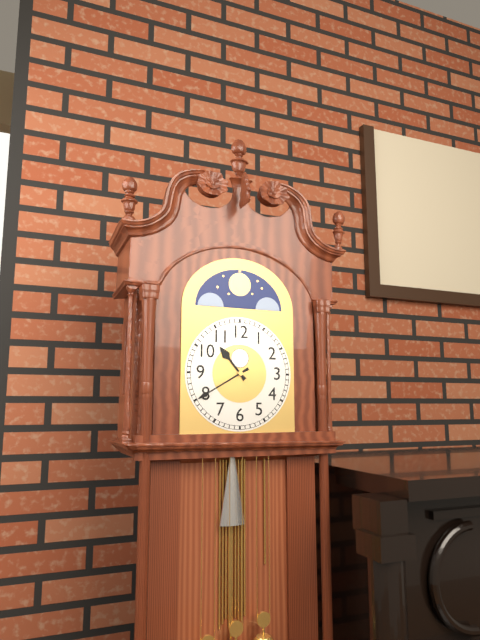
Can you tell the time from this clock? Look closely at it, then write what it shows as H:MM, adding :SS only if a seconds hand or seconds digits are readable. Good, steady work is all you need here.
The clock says 10:40
